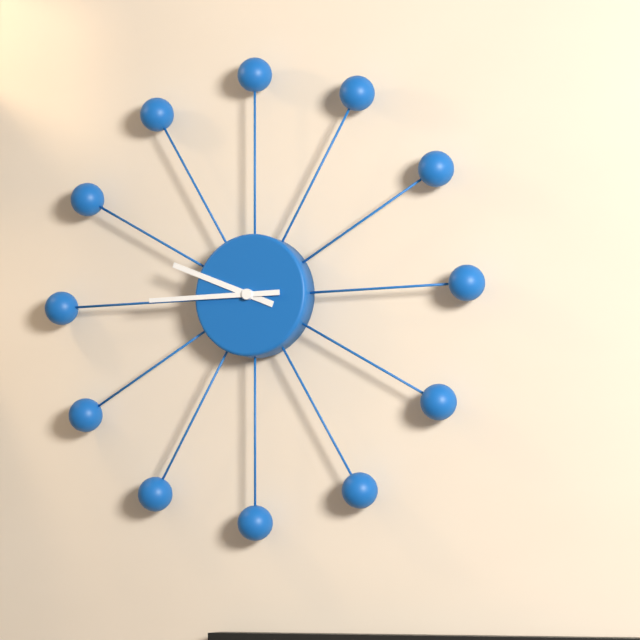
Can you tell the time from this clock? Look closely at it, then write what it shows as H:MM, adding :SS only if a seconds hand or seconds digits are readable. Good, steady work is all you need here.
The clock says 9:45
